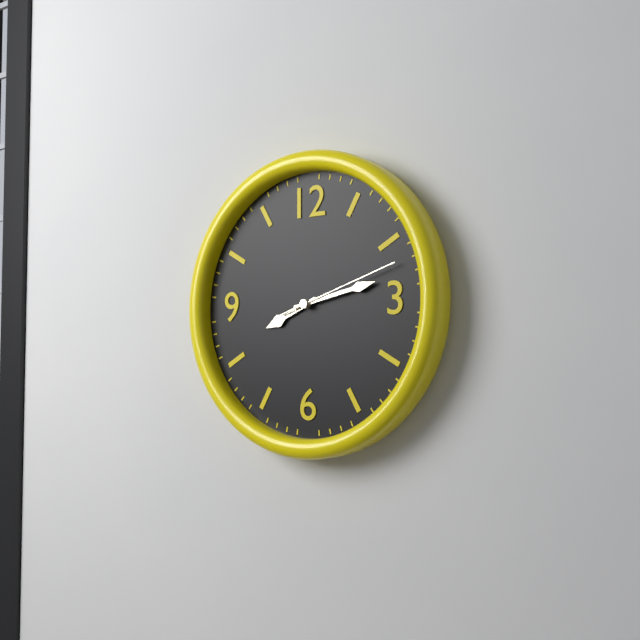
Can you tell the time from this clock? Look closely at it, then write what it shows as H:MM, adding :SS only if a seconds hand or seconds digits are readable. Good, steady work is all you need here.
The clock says 8:13:12
